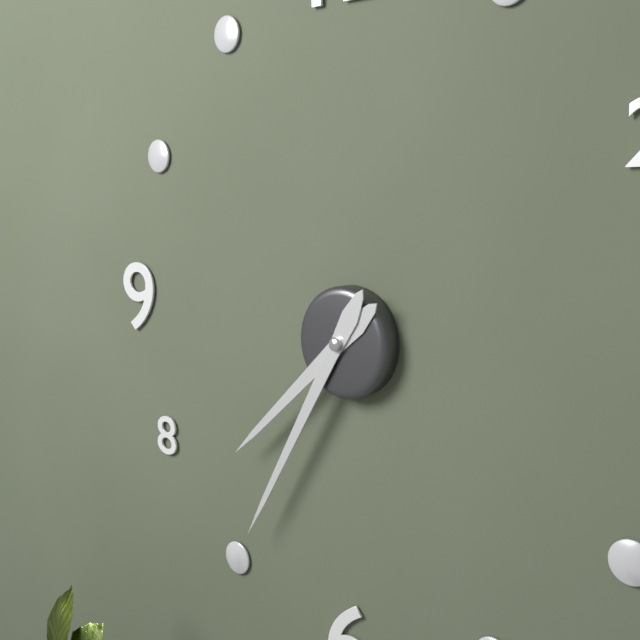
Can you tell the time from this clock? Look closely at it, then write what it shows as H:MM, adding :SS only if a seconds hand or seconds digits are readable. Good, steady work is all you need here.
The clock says 7:35
